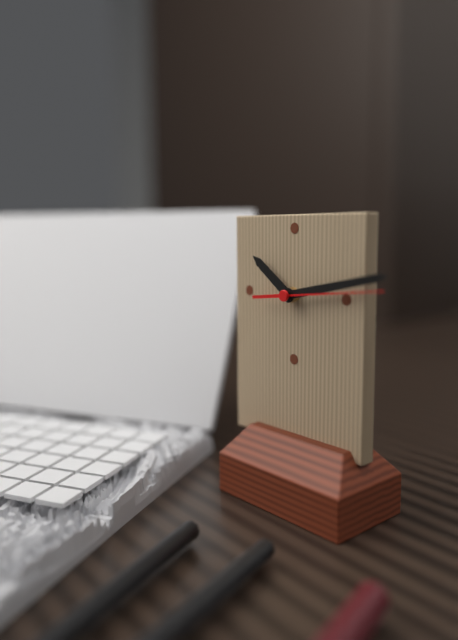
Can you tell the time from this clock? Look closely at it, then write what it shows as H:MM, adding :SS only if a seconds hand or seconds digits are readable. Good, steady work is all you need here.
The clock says 10:13:14
